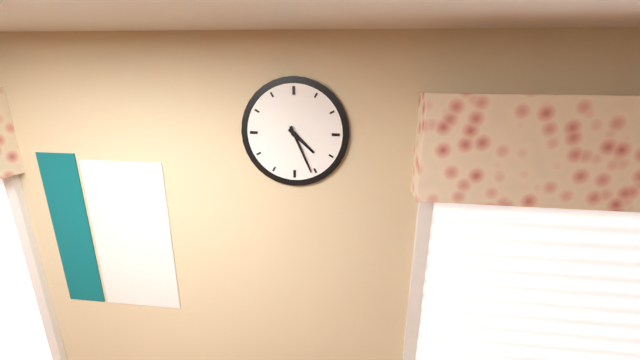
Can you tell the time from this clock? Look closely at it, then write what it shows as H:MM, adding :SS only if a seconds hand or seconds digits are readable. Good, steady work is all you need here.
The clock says 4:26
